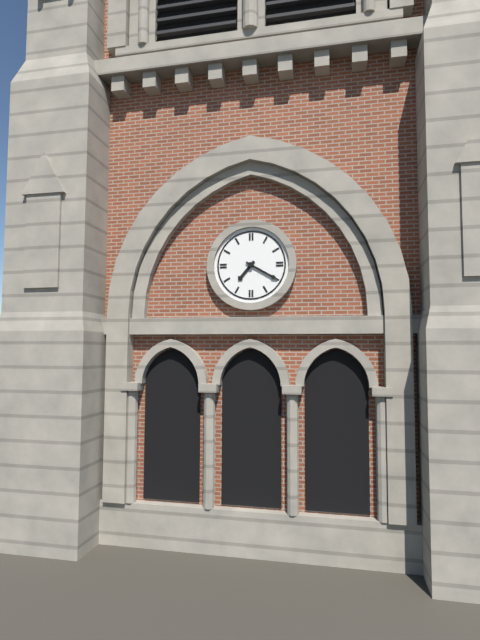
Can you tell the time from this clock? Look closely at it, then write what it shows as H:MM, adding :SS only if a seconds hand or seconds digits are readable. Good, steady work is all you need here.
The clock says 7:20
